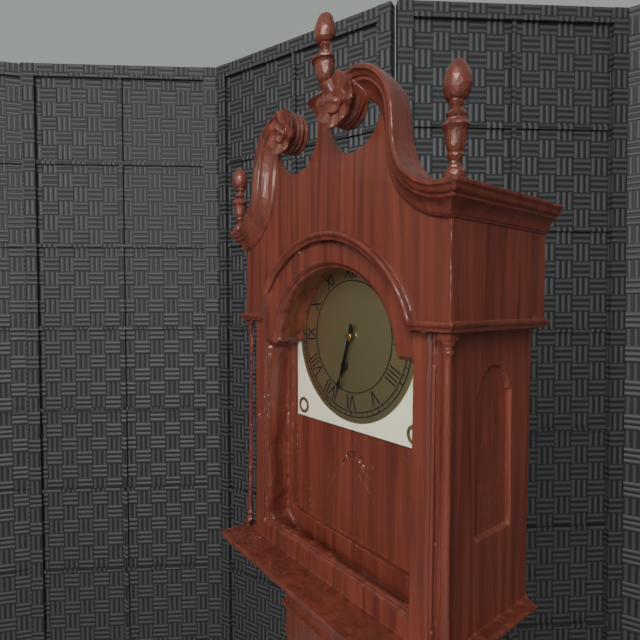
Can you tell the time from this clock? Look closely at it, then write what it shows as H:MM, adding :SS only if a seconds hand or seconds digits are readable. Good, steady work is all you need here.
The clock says 6:33
